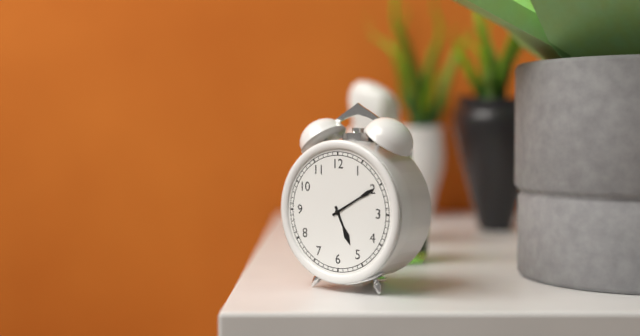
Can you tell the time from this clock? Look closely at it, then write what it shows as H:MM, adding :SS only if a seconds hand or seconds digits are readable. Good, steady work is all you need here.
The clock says 5:10
